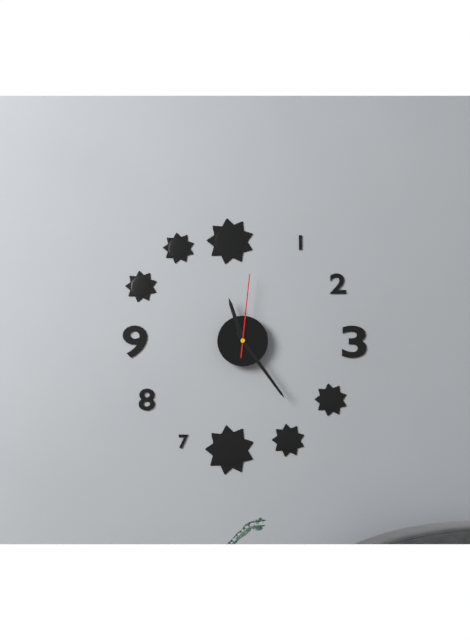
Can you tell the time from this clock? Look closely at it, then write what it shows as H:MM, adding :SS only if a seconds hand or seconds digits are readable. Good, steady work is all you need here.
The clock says 11:24:01
